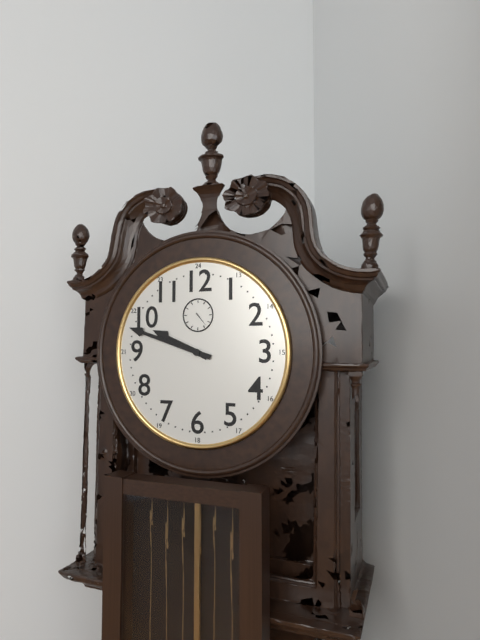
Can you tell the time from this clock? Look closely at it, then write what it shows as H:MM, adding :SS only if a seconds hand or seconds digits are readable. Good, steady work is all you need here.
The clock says 9:48
